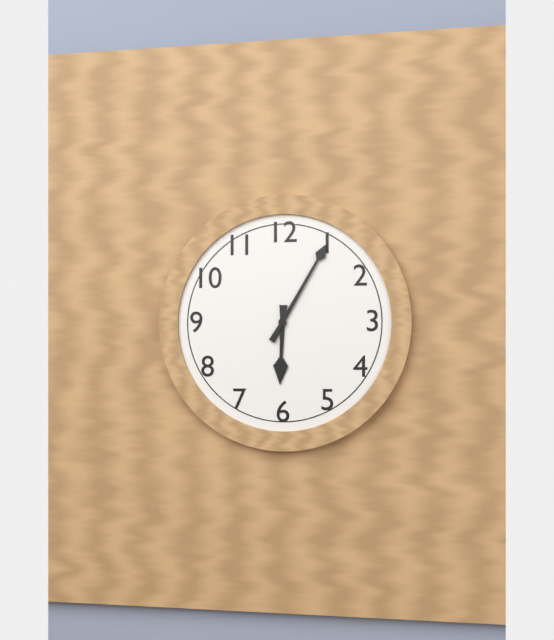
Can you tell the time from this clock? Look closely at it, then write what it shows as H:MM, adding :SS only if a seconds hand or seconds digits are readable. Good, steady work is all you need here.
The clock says 6:05
